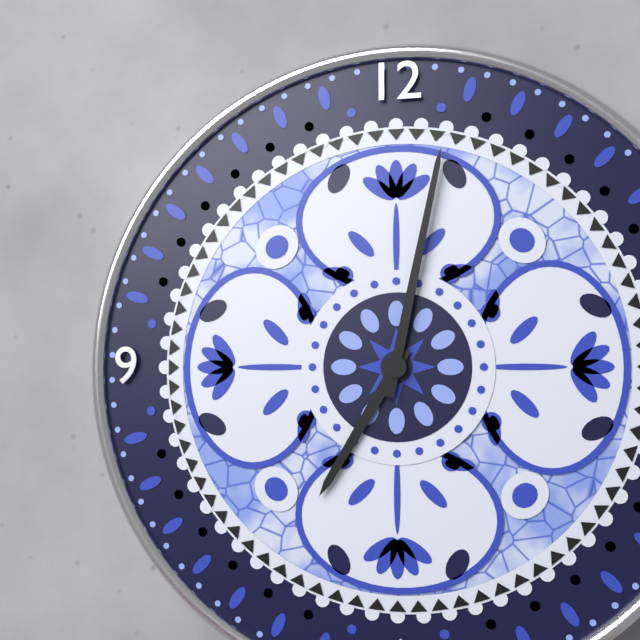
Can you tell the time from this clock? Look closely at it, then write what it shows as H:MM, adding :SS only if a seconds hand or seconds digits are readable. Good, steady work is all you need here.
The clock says 7:02
